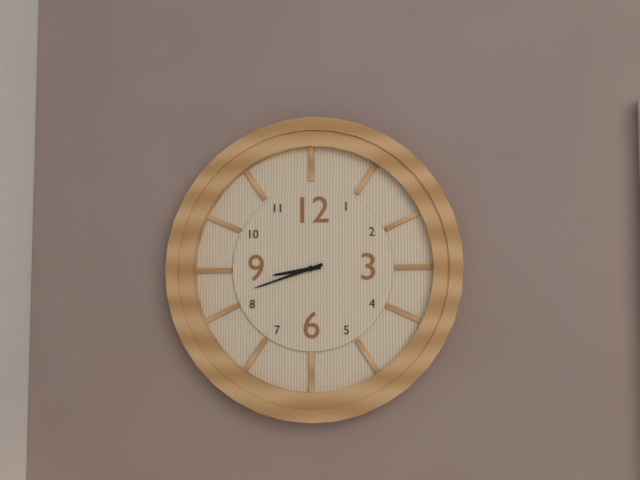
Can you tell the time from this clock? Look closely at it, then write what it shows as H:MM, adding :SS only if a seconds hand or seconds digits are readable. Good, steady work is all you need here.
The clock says 8:42
